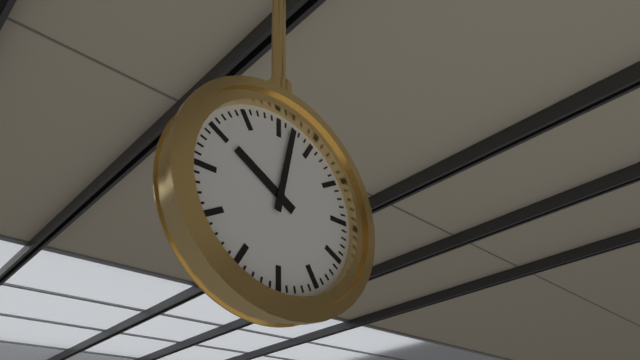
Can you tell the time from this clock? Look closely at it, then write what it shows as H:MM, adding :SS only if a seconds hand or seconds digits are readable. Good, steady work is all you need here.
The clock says 10:02
